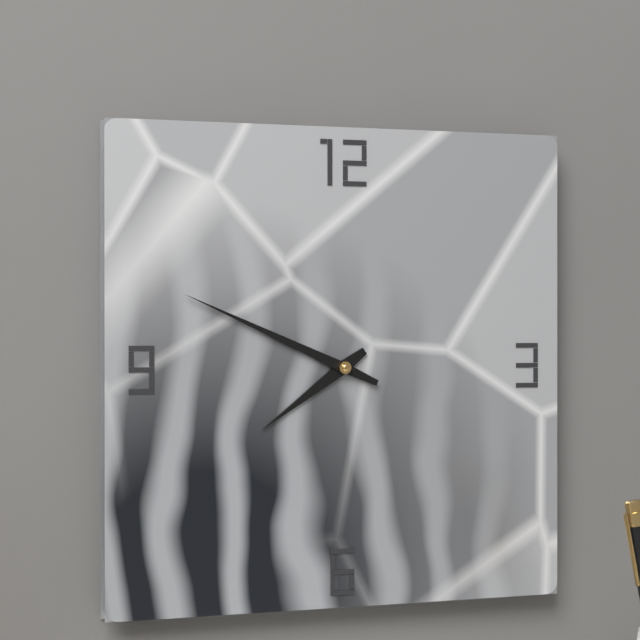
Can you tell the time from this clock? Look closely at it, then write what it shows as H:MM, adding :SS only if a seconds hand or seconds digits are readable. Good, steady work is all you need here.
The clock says 7:49
